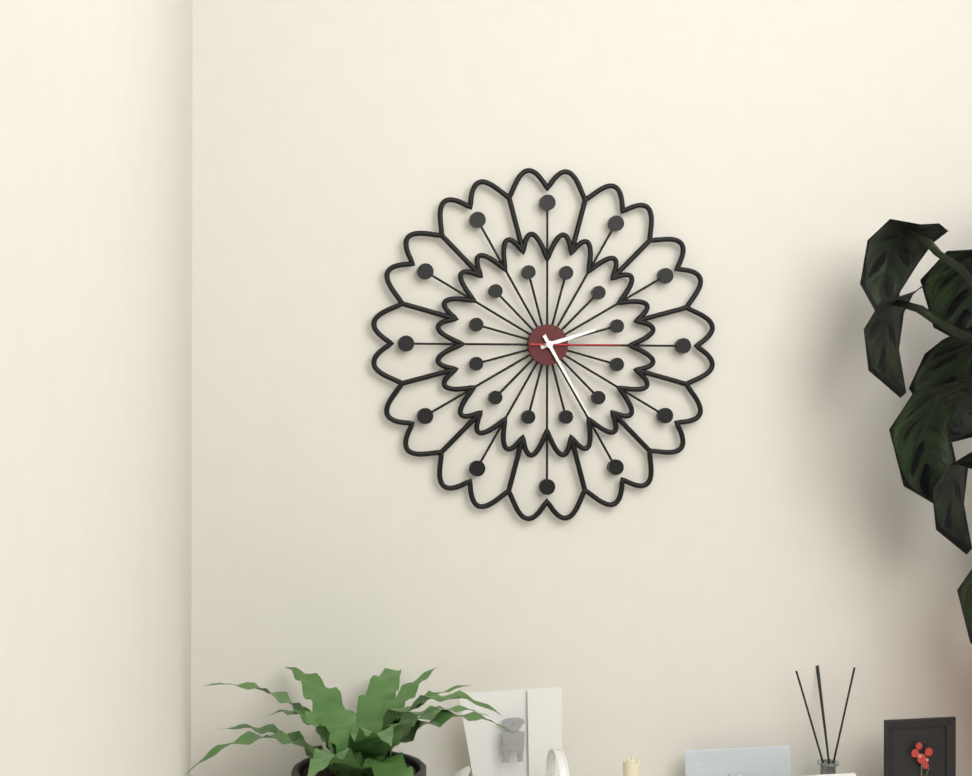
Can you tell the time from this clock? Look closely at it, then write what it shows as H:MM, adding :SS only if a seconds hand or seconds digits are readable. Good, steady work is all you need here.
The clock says 2:25:15
